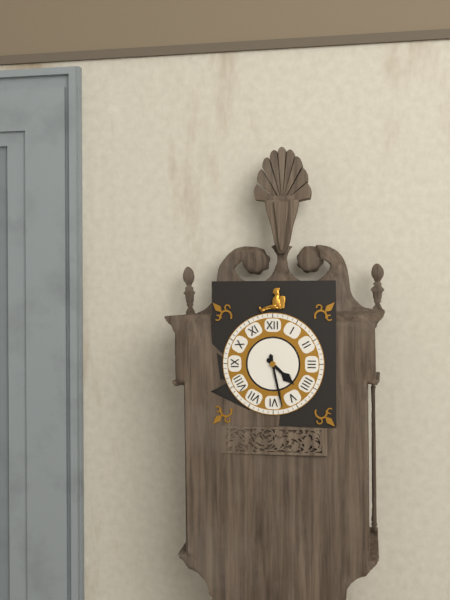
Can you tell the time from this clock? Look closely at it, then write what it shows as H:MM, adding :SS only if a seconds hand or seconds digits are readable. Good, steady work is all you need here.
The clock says 4:28
